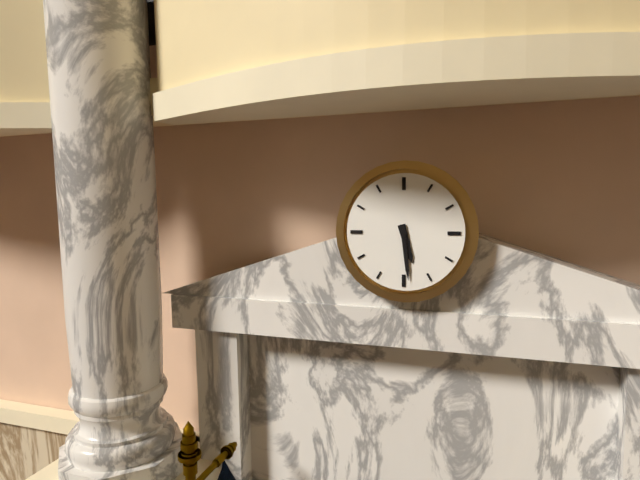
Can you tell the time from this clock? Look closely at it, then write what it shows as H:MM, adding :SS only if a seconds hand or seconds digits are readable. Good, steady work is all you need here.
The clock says 5:29
